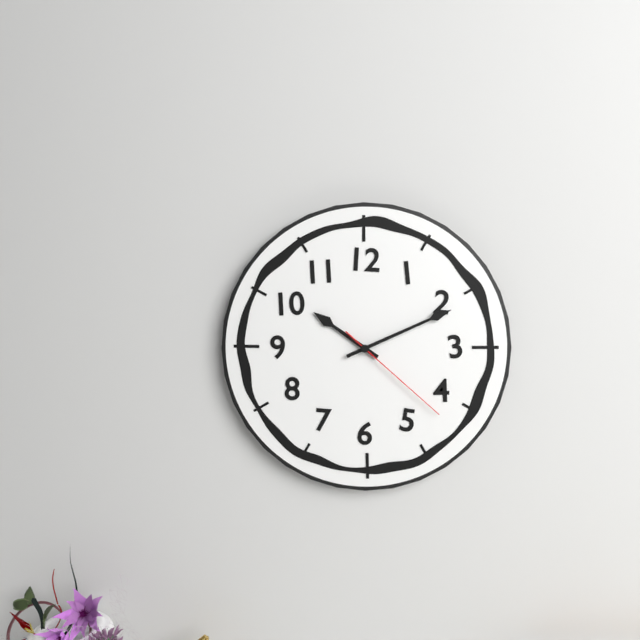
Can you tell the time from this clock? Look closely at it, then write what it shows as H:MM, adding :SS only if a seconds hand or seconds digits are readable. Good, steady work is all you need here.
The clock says 10:11:22
